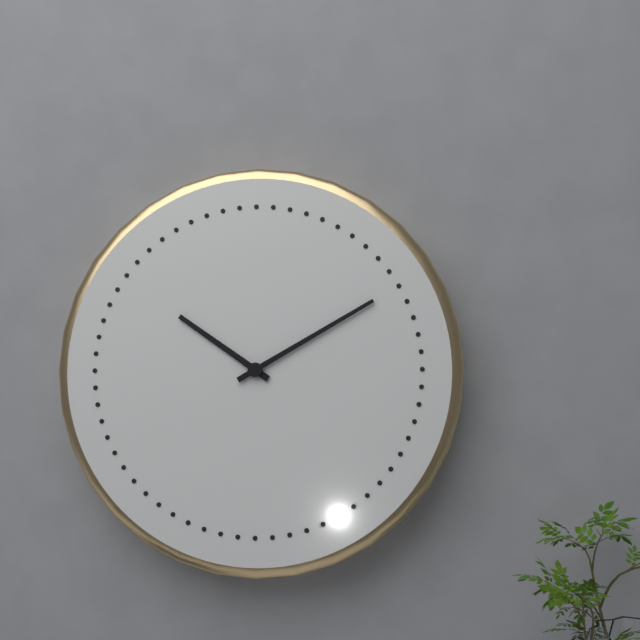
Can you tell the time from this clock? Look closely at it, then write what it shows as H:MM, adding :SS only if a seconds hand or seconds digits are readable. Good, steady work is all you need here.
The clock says 10:10
